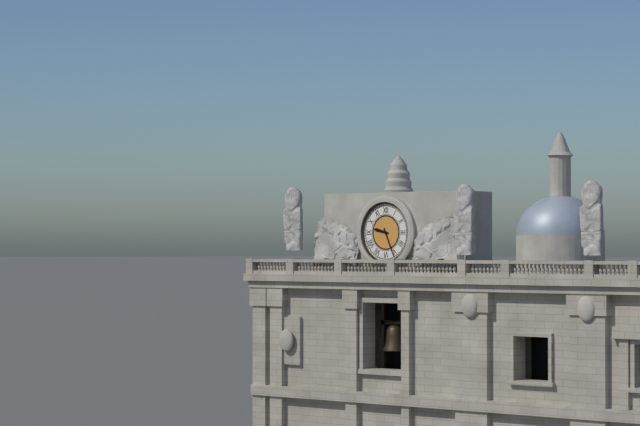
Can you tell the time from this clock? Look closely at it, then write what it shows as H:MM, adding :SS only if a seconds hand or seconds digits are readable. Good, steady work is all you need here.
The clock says 9:26
